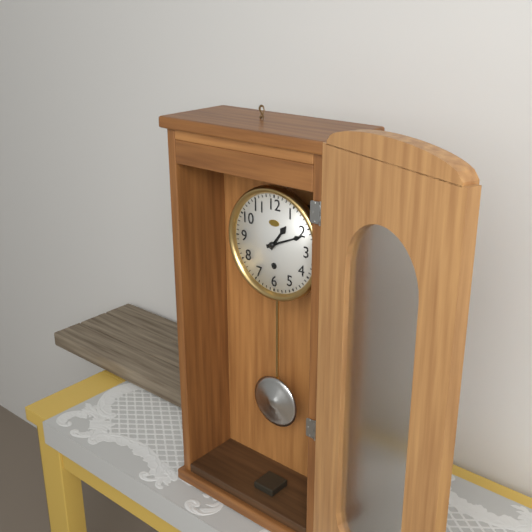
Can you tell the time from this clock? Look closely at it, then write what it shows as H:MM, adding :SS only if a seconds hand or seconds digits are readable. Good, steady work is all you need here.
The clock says 1:11
